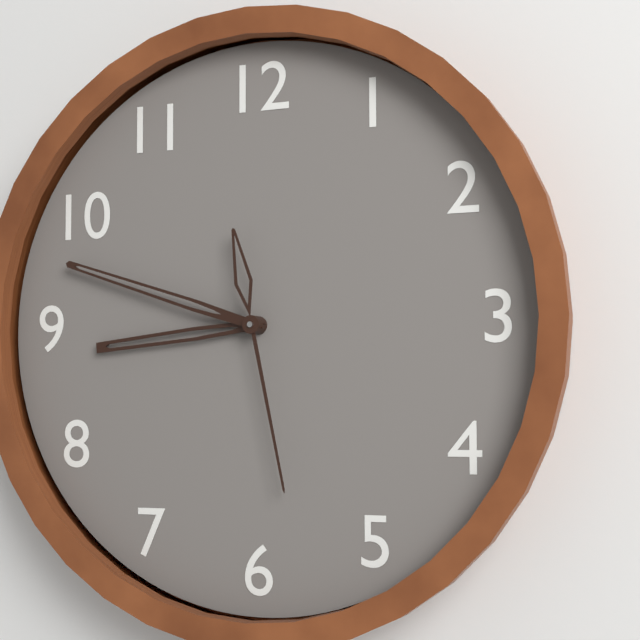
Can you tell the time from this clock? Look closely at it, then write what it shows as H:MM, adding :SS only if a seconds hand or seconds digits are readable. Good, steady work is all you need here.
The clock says 8:48:28
